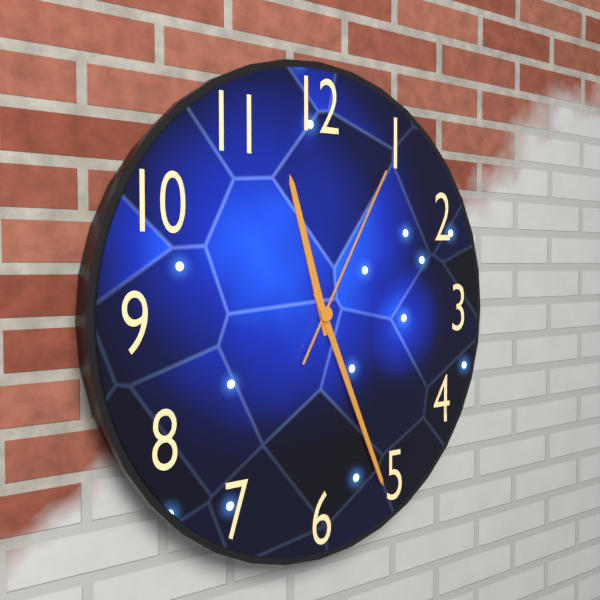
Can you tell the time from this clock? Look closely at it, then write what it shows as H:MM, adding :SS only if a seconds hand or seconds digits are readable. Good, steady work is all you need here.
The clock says 11:26:05
